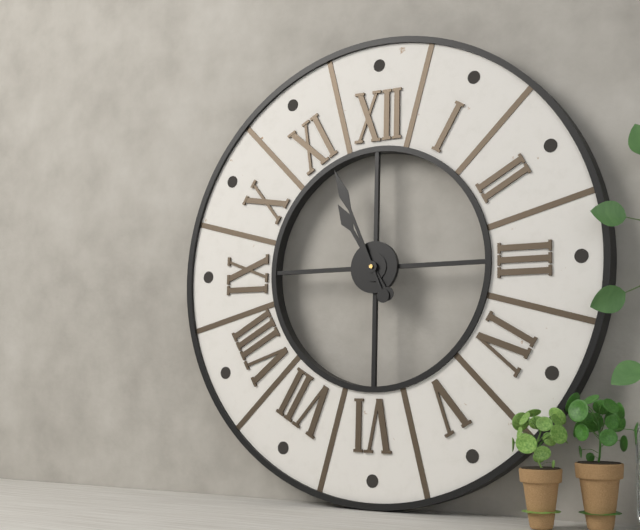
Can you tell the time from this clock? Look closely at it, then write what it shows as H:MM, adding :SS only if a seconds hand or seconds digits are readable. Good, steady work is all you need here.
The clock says 10:56
